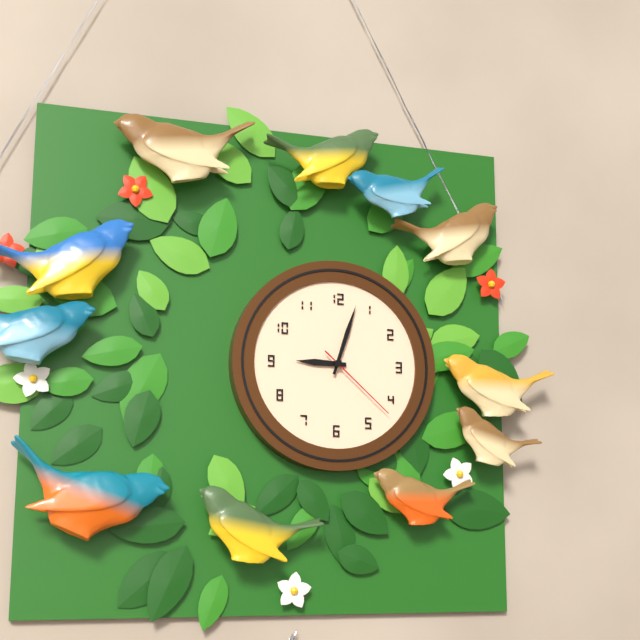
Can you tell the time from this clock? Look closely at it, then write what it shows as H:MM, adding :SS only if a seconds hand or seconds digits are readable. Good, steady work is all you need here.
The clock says 9:03:22
